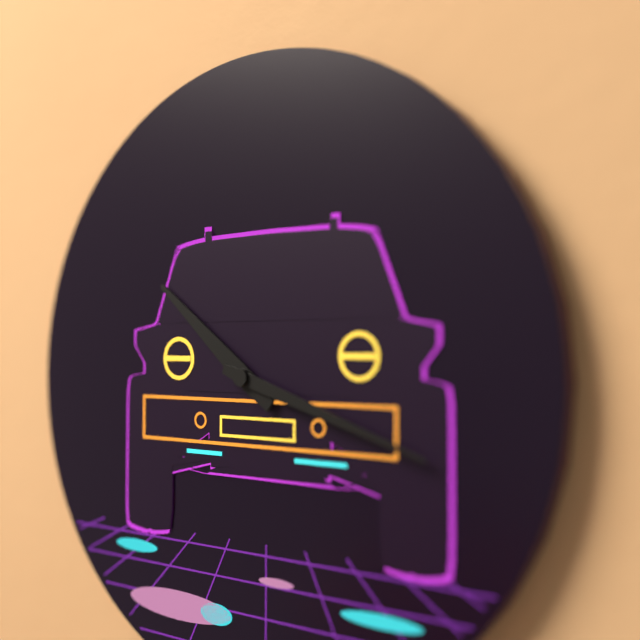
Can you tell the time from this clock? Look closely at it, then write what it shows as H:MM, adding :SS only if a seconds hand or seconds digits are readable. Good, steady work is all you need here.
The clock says 10:18
